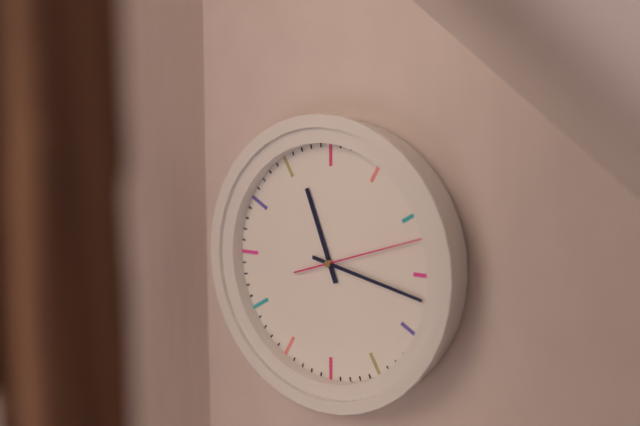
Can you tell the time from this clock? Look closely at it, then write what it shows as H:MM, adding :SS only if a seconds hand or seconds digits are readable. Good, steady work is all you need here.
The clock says 11:17:12
